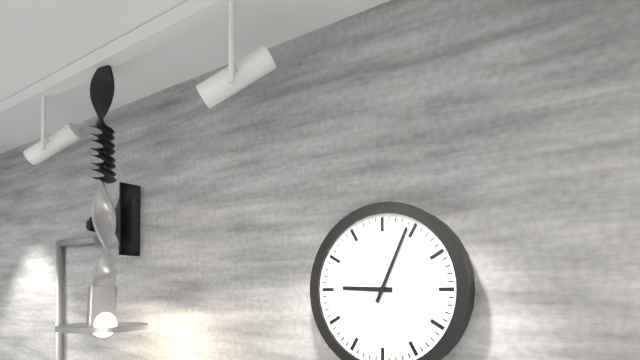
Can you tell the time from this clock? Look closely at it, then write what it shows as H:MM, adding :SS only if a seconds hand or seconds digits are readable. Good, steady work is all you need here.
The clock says 9:04
